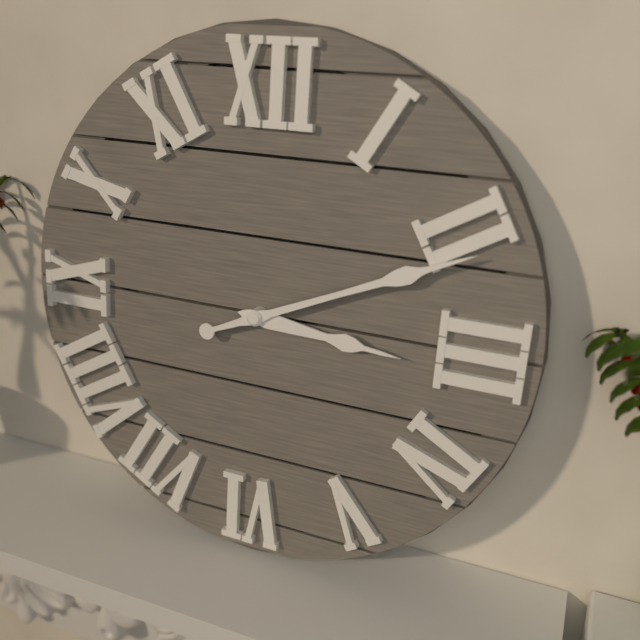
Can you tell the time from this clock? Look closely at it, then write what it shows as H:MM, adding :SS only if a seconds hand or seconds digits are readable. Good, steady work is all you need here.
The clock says 3:11
